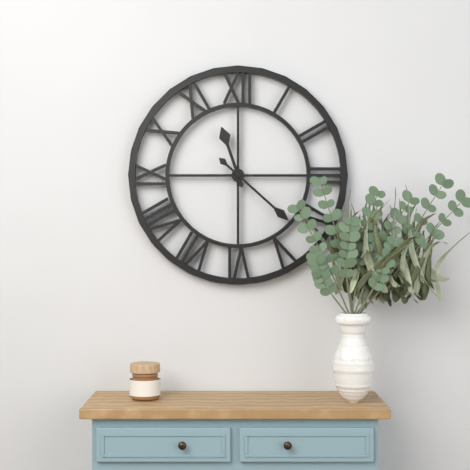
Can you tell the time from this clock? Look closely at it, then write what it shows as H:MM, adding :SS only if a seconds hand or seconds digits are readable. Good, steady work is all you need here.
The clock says 11:22
